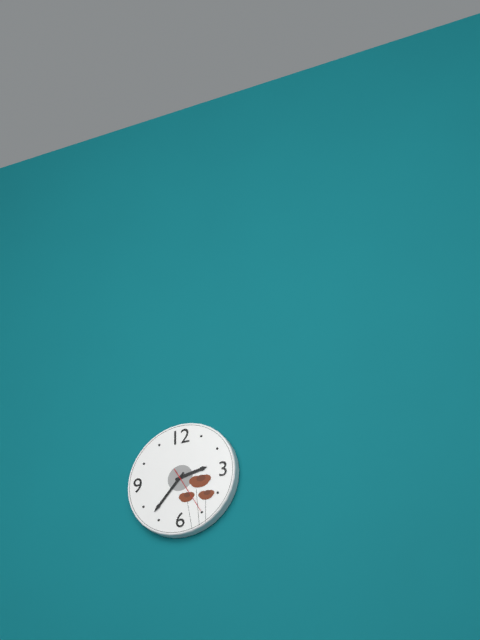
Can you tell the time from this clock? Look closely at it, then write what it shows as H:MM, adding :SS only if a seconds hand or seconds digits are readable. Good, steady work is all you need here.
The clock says 2:37
